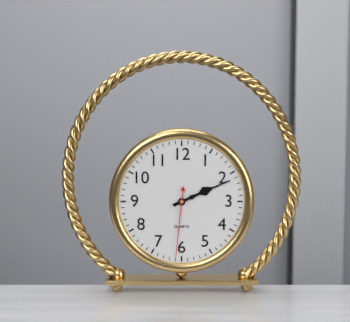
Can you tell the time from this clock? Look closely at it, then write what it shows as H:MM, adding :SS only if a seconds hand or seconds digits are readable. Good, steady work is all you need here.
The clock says 2:11:31
